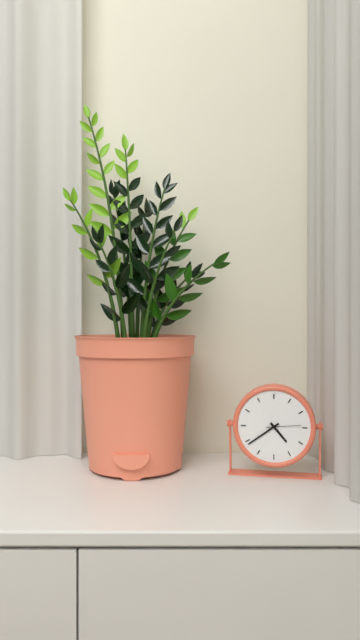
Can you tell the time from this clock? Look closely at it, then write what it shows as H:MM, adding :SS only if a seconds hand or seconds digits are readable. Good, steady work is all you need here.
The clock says 4:39
